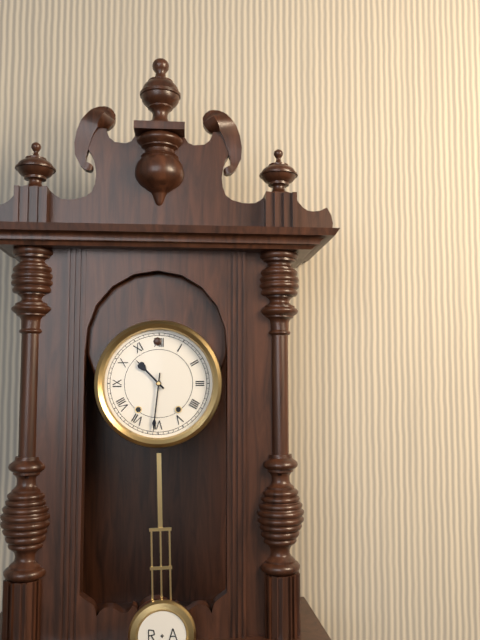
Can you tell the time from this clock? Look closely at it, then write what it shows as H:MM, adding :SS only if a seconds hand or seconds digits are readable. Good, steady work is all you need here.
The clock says 10:31
